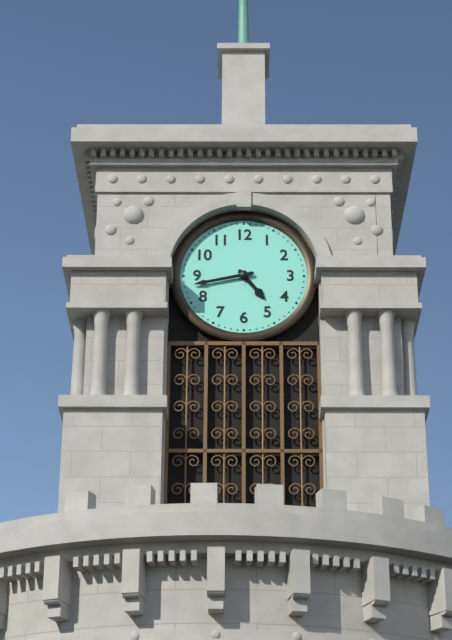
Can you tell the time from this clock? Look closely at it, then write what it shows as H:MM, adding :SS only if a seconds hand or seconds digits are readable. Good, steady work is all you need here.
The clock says 4:43
